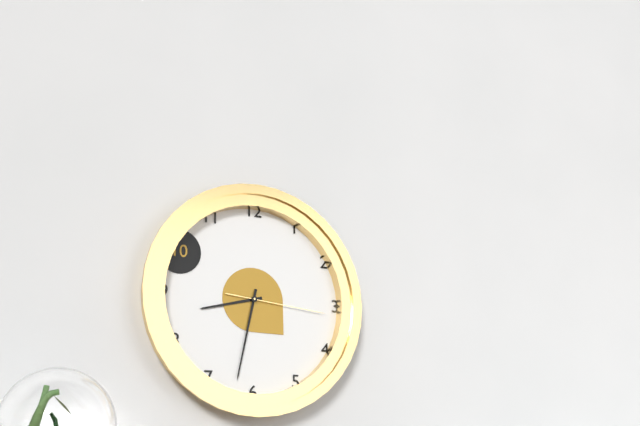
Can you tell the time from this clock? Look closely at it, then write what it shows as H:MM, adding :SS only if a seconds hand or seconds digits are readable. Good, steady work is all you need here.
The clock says 8:32:16
